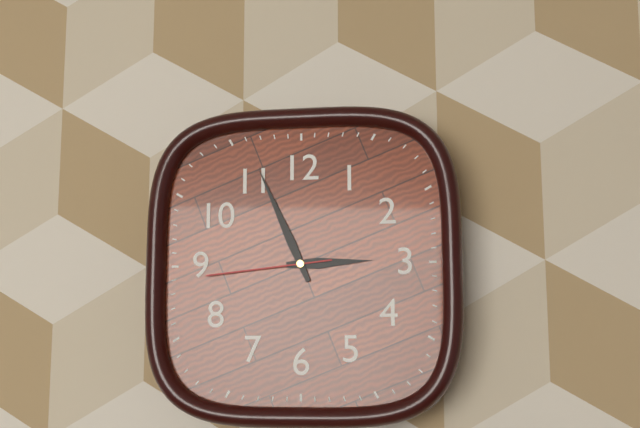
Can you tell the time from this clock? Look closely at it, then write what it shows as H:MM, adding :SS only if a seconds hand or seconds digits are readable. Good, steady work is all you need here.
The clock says 2:56:44
